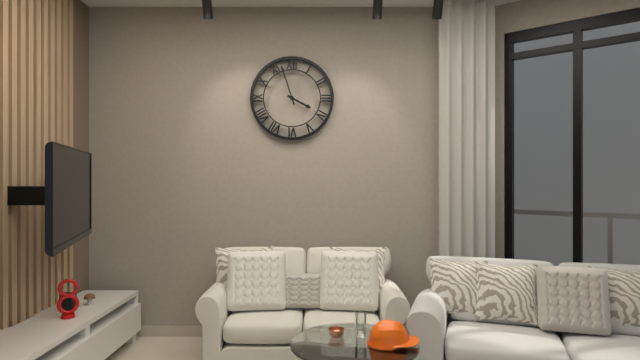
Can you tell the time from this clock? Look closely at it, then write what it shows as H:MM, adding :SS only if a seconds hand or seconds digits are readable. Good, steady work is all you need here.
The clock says 3:57
